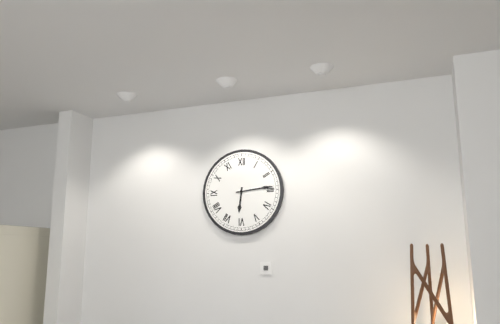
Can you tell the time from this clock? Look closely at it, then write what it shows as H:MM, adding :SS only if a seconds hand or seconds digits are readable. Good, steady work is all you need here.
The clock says 6:14
